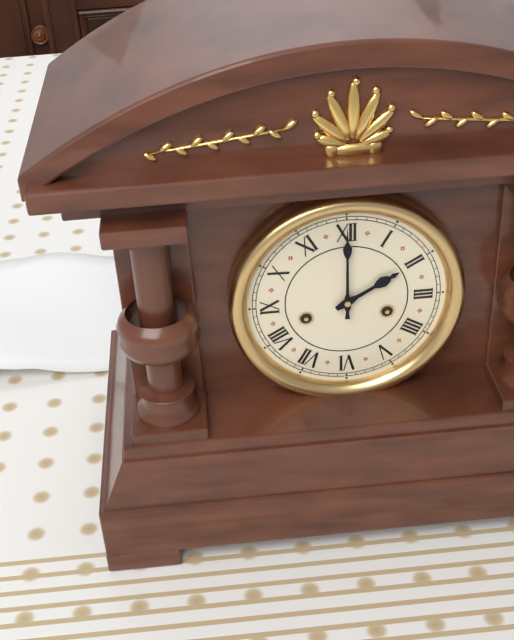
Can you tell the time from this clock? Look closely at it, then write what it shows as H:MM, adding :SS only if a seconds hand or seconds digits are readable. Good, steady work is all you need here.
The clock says 2:00
